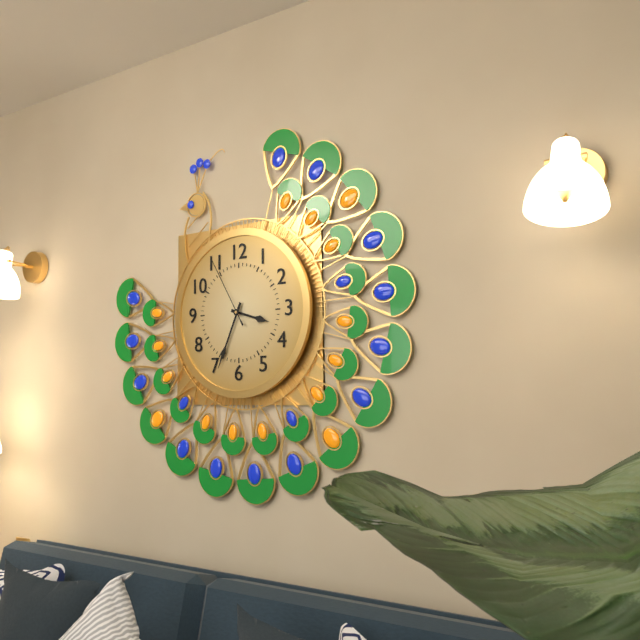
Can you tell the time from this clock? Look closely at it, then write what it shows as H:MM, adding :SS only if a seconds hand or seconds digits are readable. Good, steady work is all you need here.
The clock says 3:34:55
